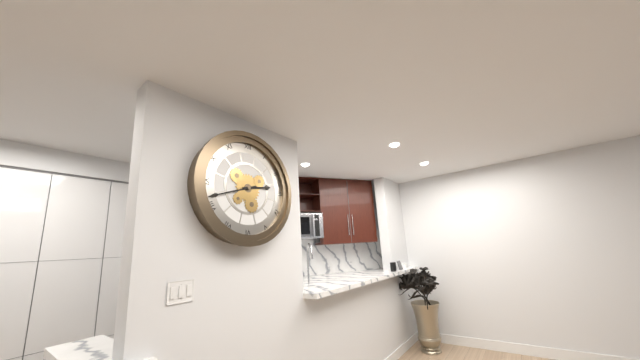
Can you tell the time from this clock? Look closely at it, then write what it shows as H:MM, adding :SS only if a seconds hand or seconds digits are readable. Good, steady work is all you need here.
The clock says 2:42
